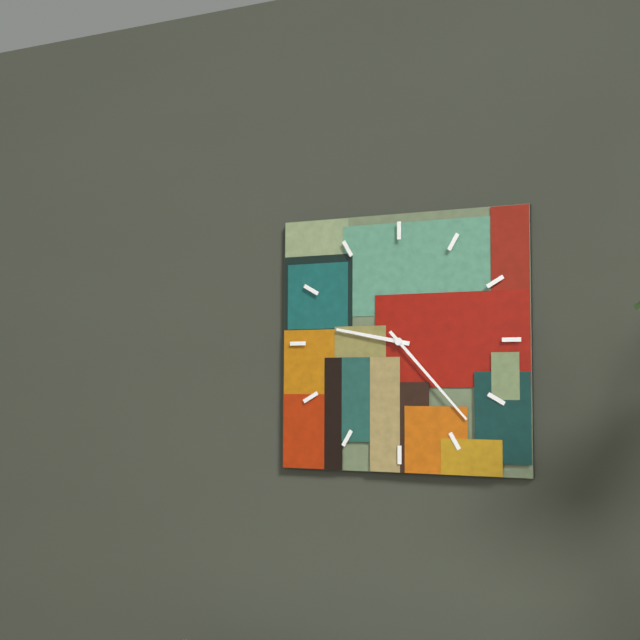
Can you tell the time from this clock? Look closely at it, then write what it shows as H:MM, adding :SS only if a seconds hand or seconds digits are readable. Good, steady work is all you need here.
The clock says 9:23
